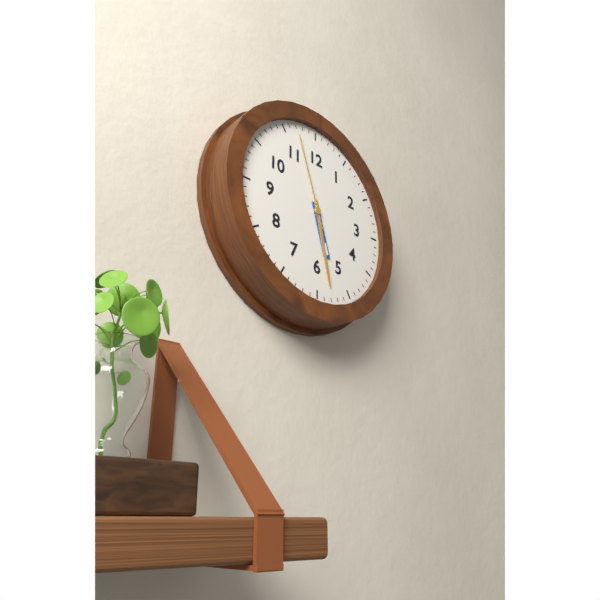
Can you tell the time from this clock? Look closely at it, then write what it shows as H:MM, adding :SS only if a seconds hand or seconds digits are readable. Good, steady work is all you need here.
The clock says 5:28:57
